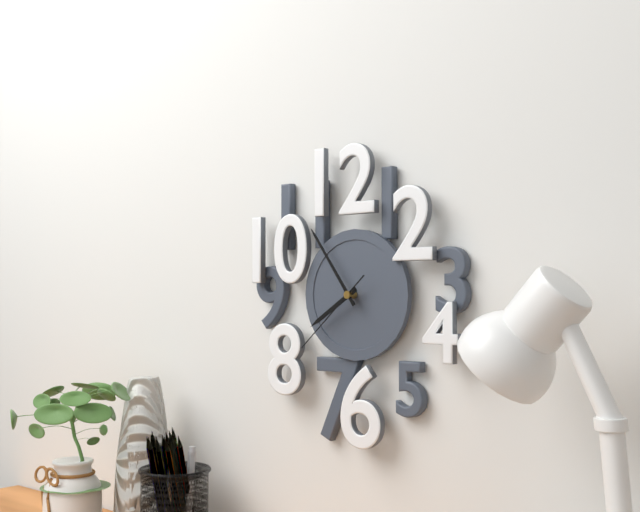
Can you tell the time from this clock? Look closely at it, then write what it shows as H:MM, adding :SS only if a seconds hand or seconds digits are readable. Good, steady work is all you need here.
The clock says 7:54:38
